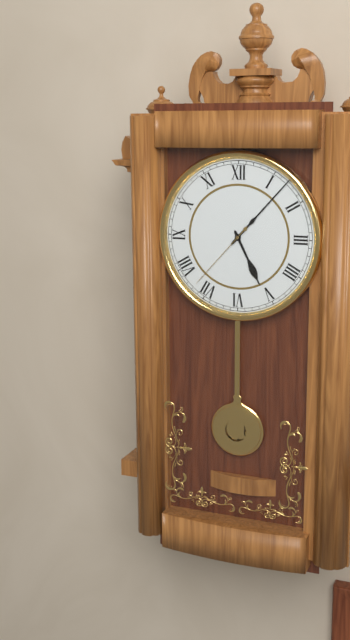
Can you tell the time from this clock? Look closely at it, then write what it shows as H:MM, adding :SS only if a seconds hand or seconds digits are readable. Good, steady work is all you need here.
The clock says 5:07:37
